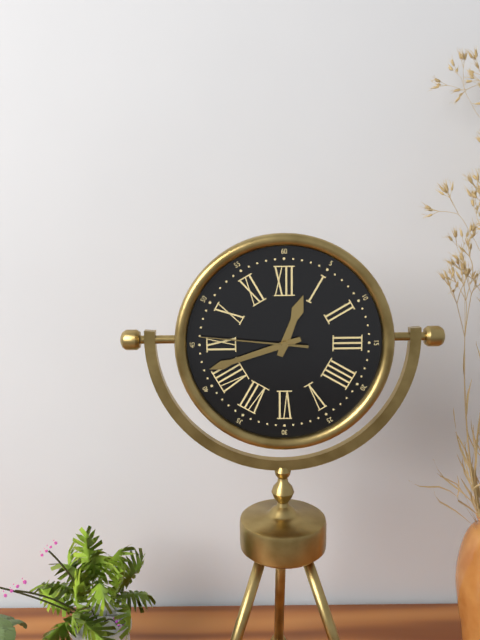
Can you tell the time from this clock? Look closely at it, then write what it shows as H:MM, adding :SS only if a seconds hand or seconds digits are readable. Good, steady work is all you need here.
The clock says 12:42:46
